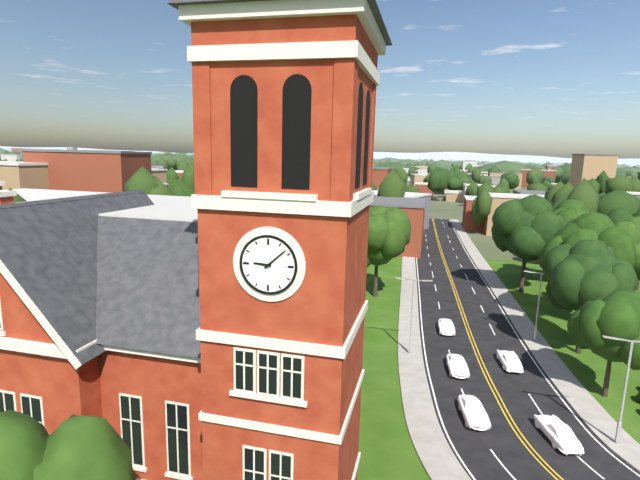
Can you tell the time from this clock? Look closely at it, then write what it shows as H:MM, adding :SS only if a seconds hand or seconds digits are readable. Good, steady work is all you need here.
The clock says 9:08
